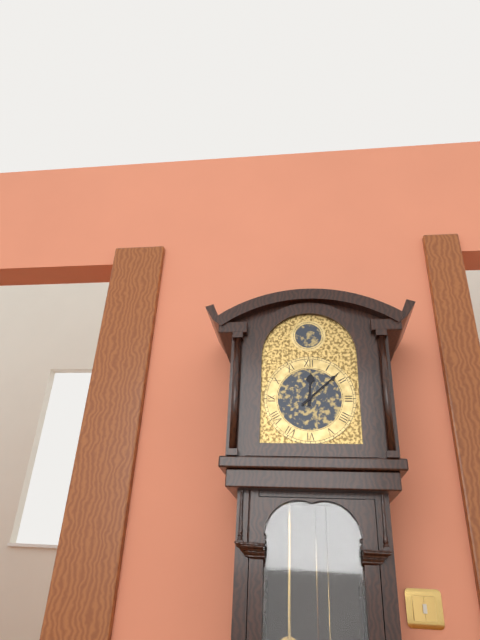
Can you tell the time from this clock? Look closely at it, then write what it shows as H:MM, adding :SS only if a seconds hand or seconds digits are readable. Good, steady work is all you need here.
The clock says 12:08
